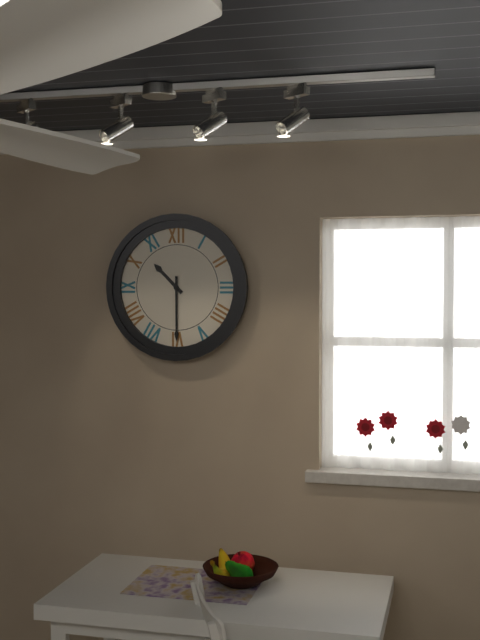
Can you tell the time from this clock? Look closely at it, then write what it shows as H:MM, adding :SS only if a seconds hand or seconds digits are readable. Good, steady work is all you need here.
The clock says 10:30
